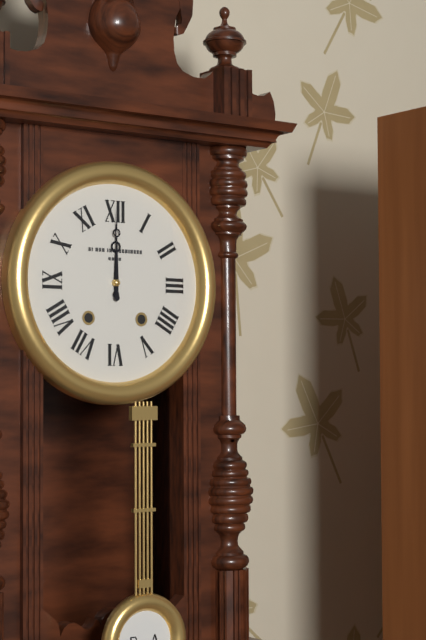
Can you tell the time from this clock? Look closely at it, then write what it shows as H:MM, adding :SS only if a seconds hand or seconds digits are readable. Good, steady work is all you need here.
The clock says 12:00
